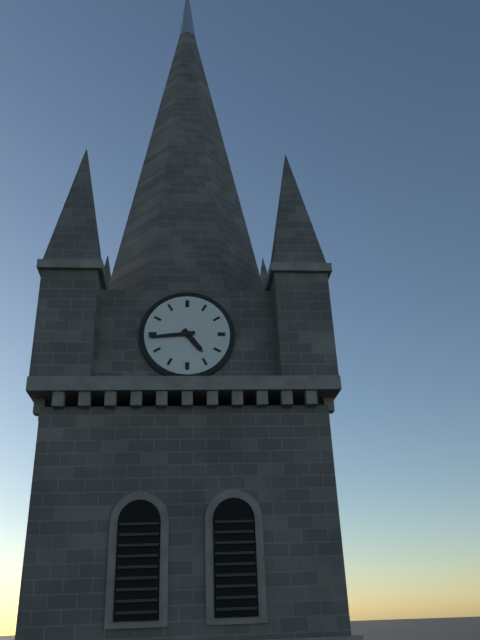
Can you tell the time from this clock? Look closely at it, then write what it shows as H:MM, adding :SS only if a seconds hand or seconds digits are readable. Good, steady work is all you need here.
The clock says 4:44
